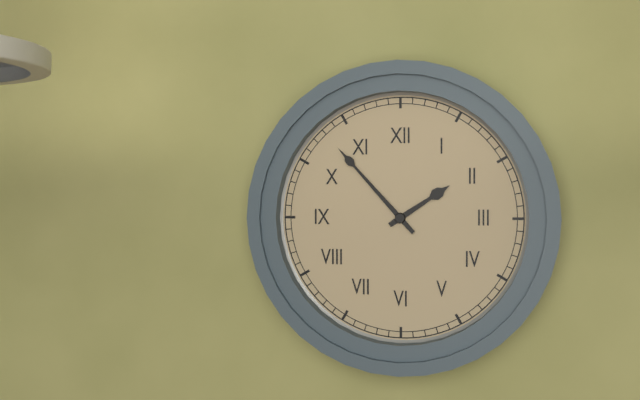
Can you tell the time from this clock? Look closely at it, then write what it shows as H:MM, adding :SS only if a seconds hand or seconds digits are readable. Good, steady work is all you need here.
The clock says 1:53
